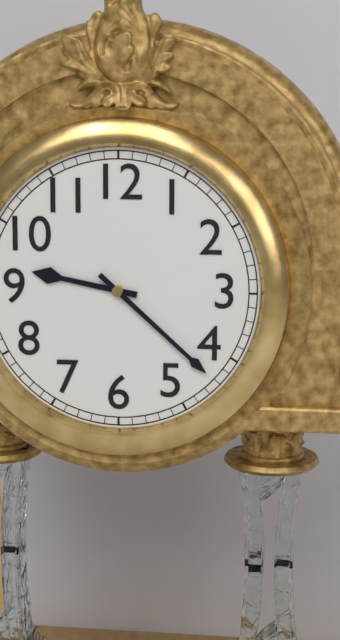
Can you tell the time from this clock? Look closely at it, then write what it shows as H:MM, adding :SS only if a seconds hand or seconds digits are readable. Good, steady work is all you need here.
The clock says 9:22
